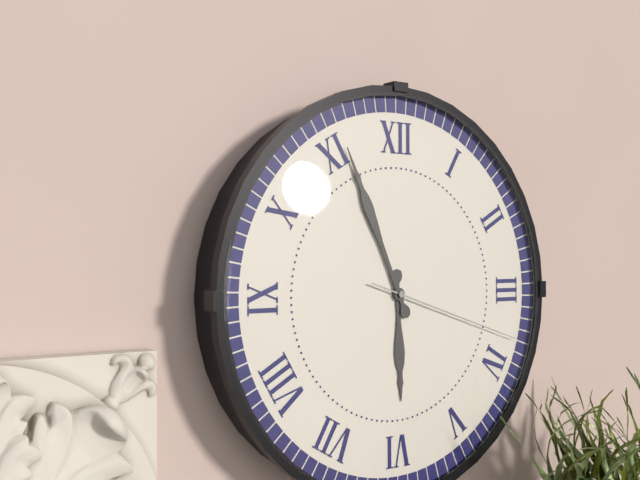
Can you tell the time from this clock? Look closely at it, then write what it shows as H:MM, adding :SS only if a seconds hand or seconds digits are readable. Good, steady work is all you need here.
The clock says 5:56:18
